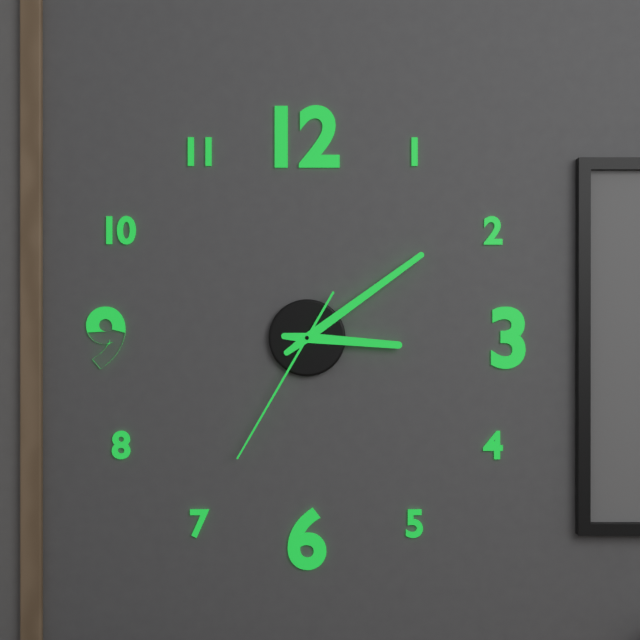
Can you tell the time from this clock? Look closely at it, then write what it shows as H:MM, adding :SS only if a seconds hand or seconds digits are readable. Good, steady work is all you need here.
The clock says 3:09:35
